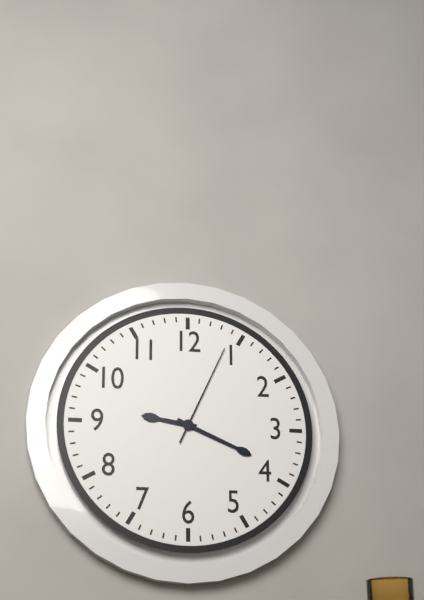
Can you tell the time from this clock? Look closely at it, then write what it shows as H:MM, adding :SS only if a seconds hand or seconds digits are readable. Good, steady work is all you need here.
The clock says 9:19:04
